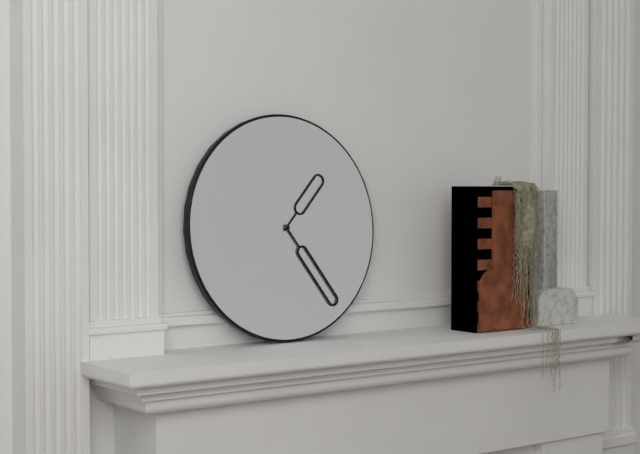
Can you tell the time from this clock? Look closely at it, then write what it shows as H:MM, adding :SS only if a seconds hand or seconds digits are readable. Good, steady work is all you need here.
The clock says 1:24
